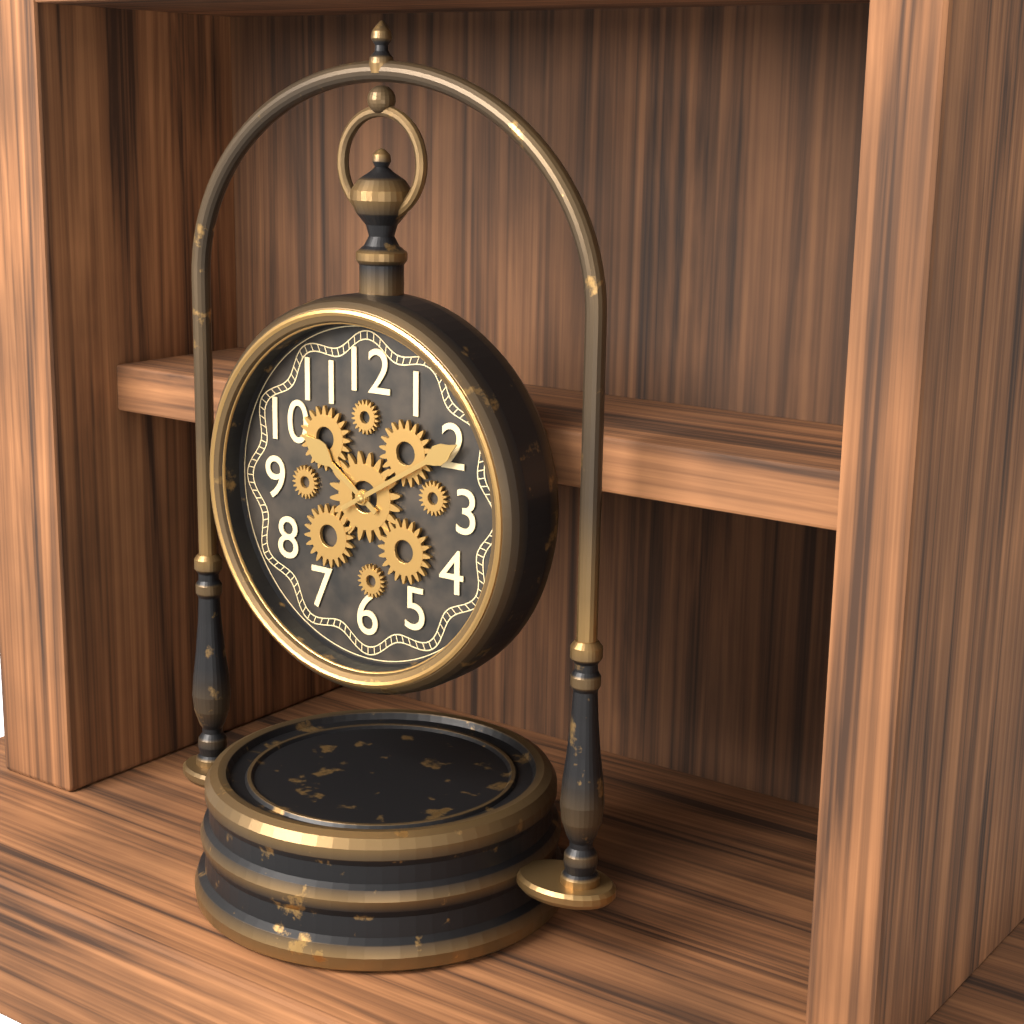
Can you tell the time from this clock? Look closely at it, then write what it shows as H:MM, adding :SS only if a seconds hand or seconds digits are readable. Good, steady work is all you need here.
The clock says 10:10
